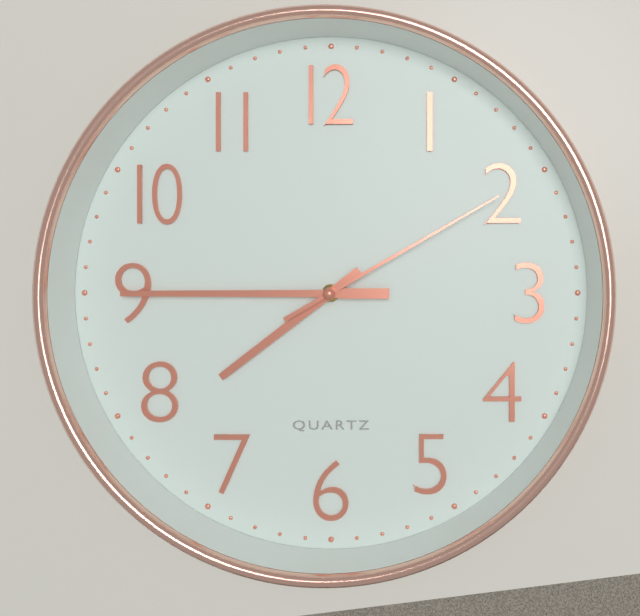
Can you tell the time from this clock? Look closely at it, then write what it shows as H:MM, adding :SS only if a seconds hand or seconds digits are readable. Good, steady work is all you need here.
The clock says 7:45:10
